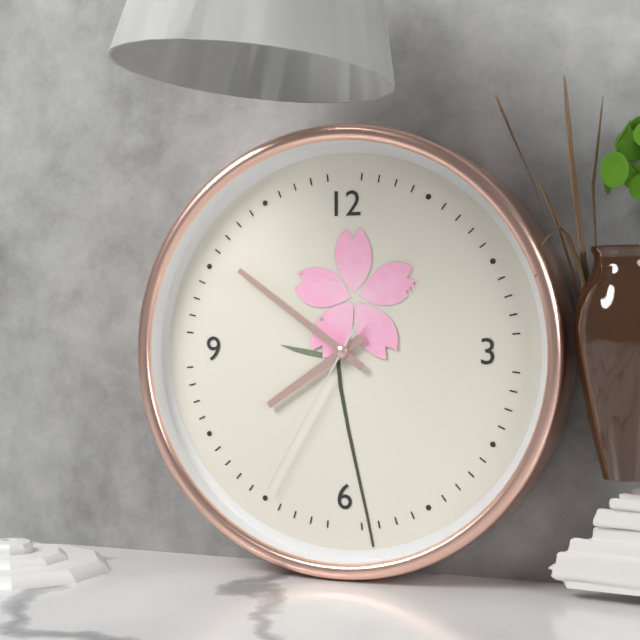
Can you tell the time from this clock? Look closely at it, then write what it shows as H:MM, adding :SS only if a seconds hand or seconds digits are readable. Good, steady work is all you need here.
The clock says 7:51:35
